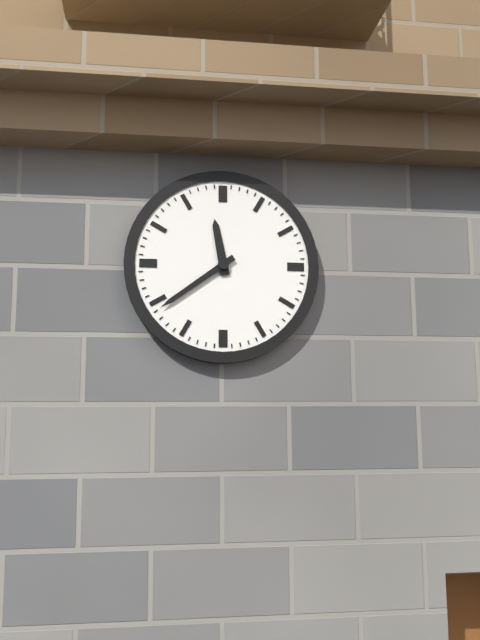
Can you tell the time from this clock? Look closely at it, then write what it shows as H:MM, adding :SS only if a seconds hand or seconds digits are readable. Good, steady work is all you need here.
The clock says 11:39
